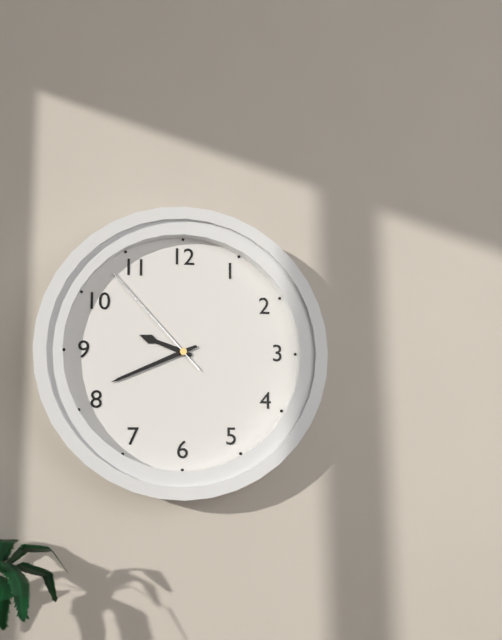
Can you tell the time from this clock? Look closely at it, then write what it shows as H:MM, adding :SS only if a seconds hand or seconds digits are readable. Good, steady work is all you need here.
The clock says 9:41:53
